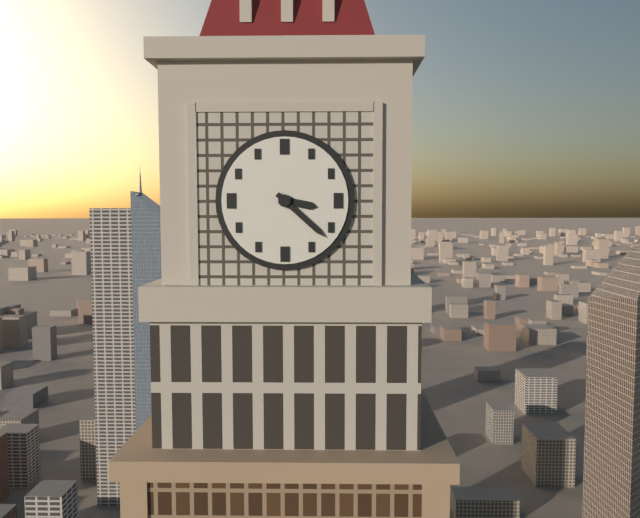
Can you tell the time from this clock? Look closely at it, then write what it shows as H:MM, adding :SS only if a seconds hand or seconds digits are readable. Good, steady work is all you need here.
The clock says 3:22
